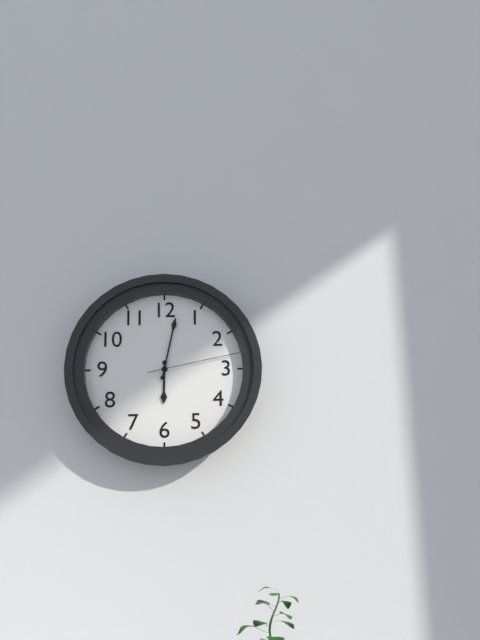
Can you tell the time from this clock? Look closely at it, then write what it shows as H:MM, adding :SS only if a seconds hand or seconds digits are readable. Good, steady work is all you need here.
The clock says 6:02:13
